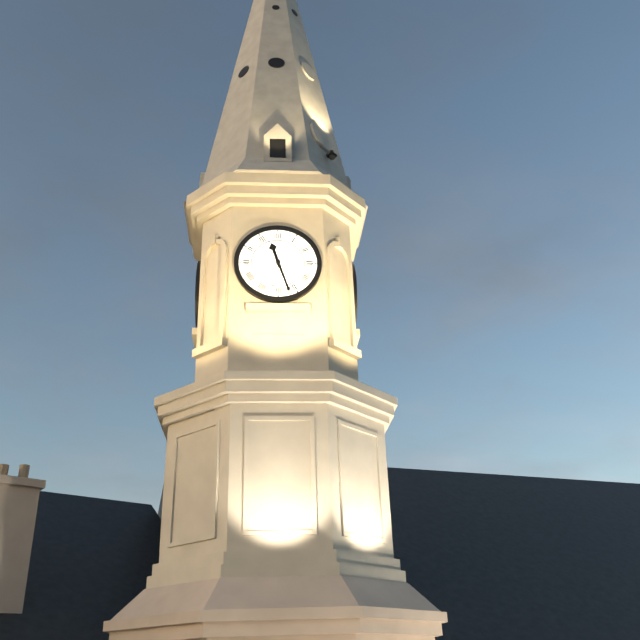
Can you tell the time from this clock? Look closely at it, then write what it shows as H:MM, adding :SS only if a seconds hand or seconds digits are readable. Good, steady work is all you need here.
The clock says 11:27
